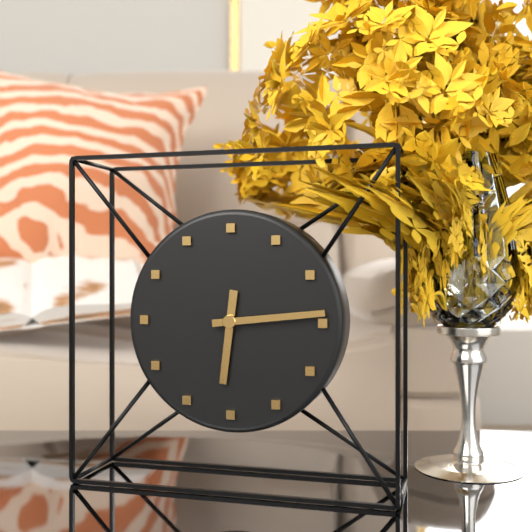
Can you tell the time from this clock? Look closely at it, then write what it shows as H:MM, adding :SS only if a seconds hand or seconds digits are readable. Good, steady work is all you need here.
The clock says 6:14
